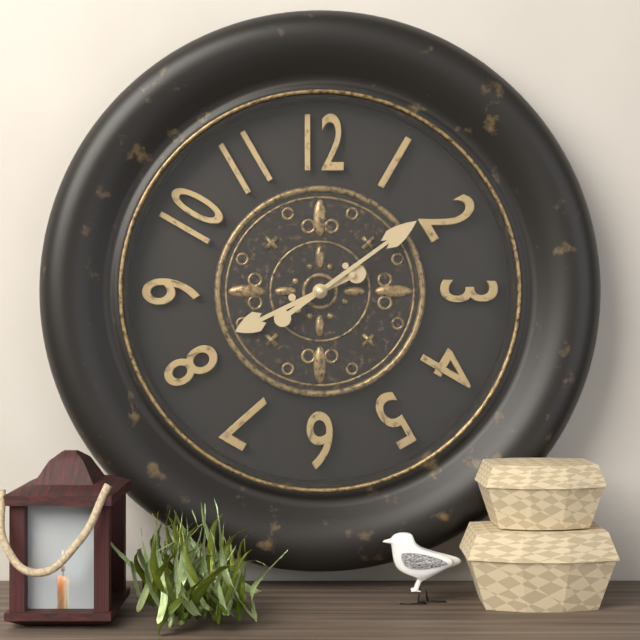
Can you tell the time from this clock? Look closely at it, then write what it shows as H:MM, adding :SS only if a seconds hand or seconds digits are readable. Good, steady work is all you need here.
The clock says 8:09
